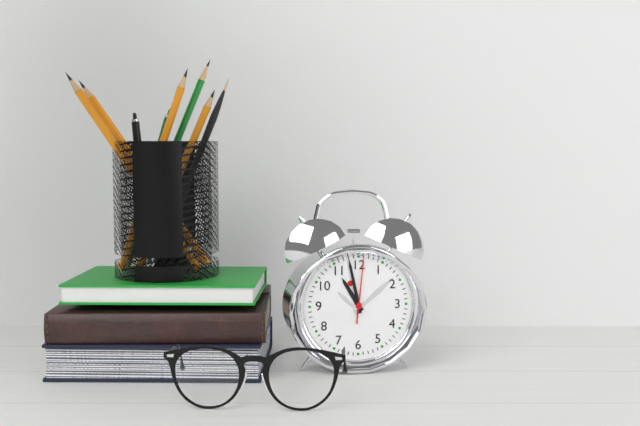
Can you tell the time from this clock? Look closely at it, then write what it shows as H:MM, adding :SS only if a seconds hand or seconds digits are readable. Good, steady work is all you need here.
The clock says 10:58:01
